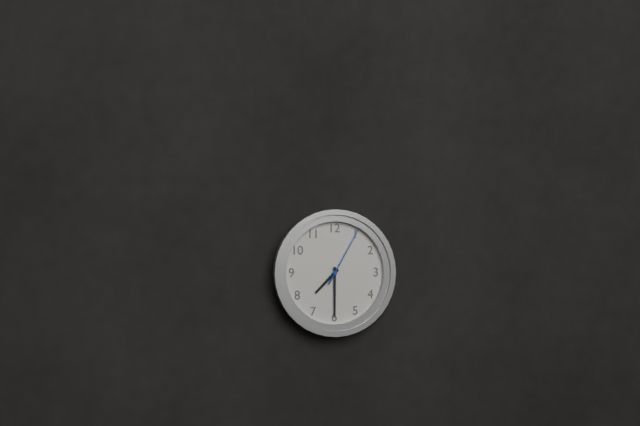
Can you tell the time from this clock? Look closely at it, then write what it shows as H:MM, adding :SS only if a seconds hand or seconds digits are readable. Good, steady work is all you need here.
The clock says 7:30:05
